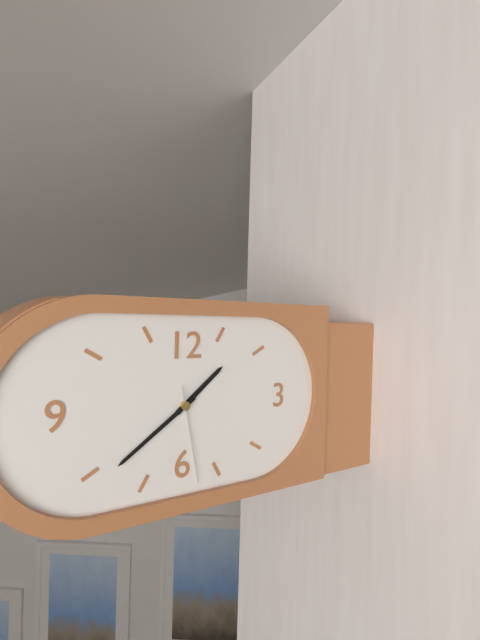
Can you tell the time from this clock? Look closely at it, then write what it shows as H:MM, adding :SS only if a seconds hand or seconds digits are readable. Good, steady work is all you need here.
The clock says 1:39:28
